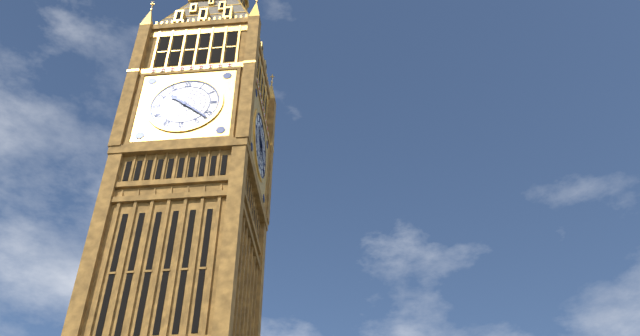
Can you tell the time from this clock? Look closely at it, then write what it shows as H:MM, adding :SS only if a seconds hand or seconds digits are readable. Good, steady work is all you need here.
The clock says 10:22
